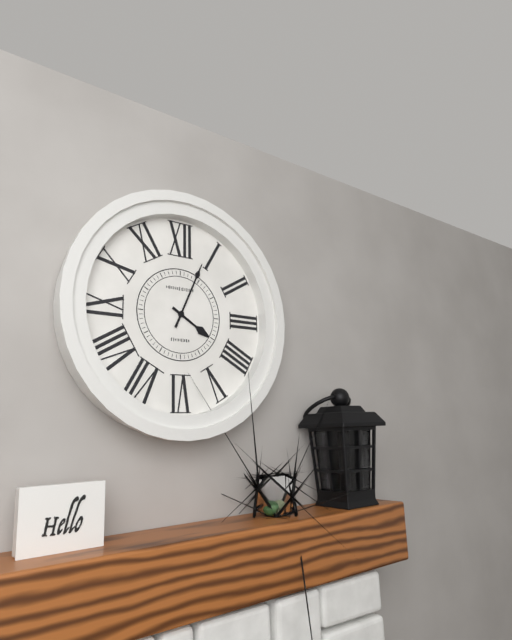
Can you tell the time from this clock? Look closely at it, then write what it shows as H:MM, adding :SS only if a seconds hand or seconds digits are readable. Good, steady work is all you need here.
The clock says 4:04
